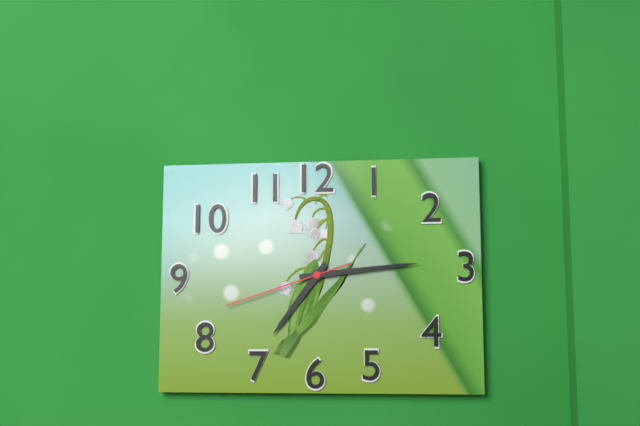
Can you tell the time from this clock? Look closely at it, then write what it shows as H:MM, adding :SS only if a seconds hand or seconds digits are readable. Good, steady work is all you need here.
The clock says 7:14:42
